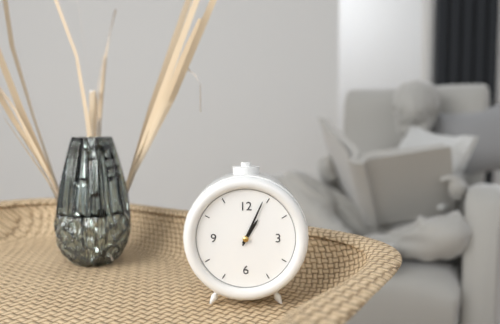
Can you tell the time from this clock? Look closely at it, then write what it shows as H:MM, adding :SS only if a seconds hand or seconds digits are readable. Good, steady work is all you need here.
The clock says 1:04
